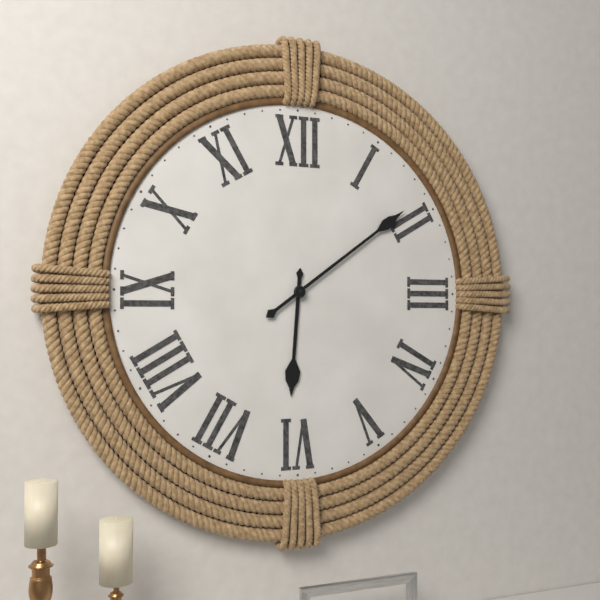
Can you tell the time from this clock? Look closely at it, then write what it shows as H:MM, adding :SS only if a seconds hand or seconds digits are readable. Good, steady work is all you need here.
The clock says 6:09
